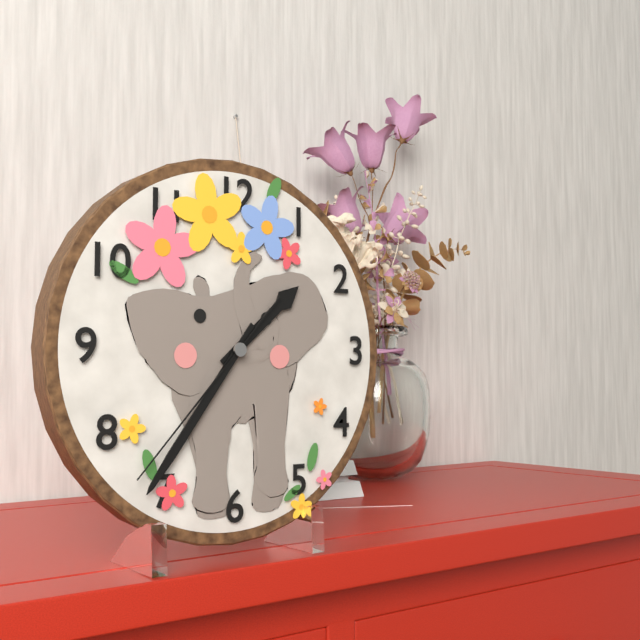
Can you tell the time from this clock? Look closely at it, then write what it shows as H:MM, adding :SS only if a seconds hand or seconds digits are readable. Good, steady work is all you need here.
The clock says 1:36:37
